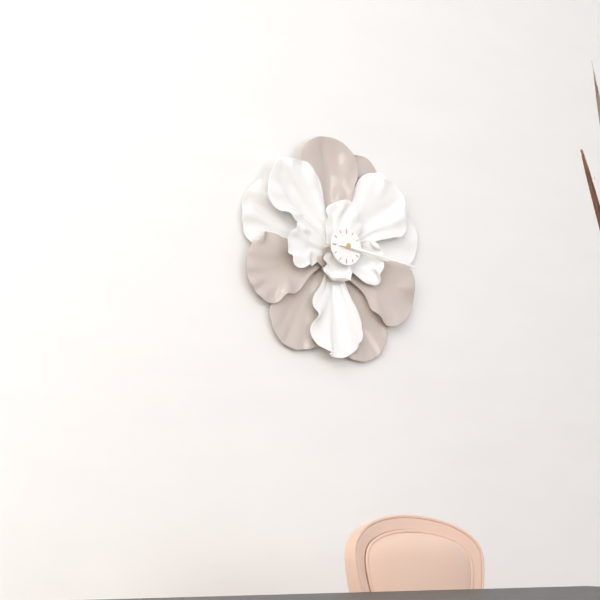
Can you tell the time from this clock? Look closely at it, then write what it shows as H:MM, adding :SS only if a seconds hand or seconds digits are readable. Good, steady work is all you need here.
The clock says 3:16
